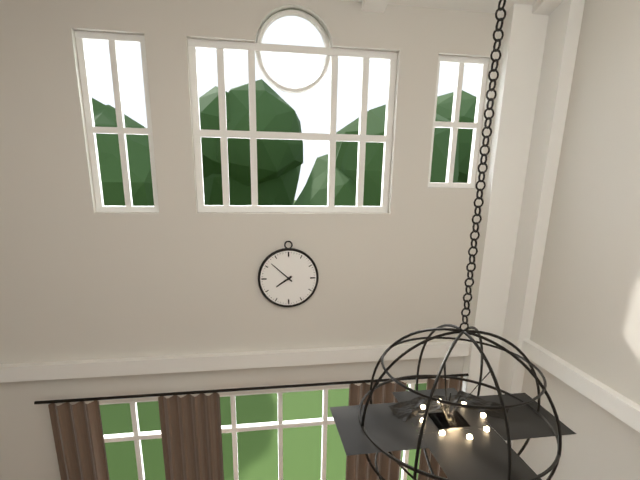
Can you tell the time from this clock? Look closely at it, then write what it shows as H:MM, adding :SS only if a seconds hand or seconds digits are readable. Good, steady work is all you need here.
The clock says 7:52
